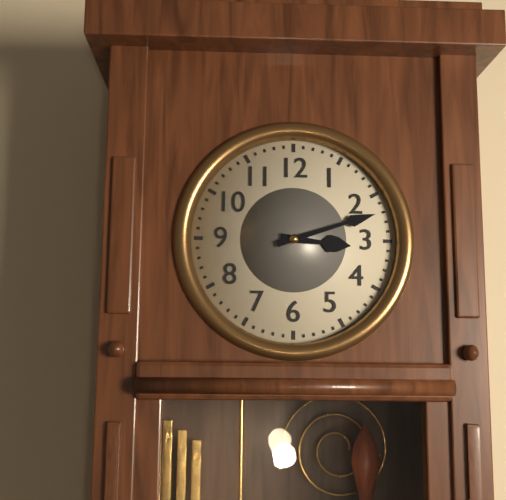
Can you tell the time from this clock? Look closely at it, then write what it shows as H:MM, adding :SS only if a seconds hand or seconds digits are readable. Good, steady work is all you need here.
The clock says 3:12
